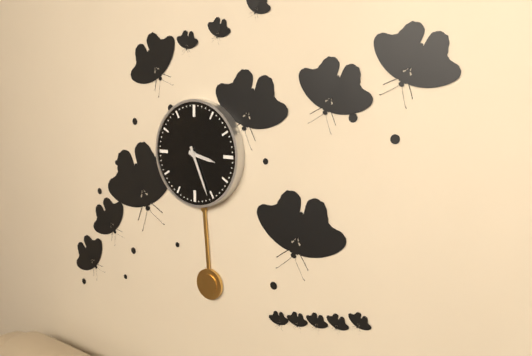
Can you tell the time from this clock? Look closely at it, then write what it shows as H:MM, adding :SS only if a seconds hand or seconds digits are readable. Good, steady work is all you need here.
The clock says 3:26
